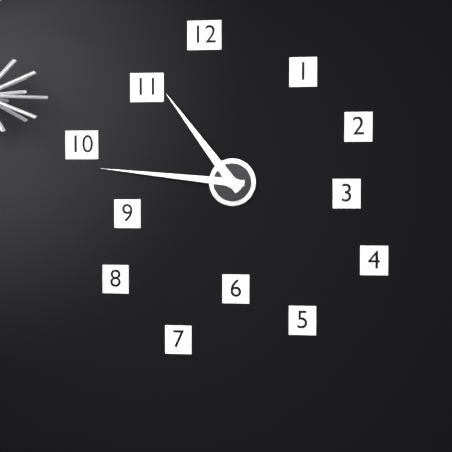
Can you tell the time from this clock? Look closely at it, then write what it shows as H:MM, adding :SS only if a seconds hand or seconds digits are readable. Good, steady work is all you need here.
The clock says 10:46
